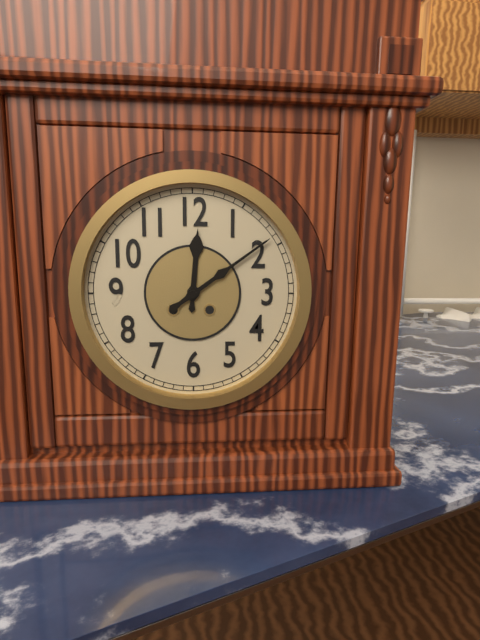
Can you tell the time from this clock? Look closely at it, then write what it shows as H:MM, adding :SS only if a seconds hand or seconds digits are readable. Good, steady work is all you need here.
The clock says 12:09
